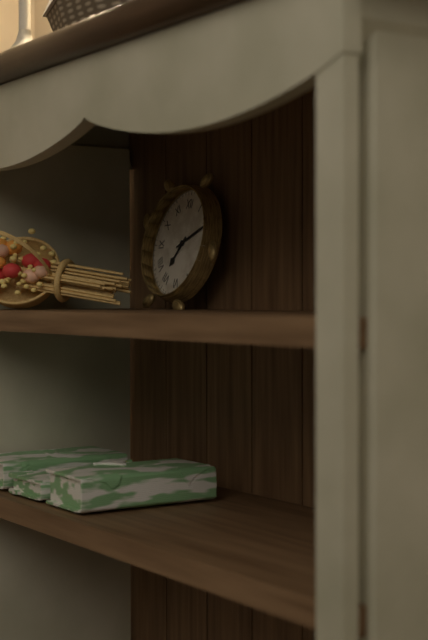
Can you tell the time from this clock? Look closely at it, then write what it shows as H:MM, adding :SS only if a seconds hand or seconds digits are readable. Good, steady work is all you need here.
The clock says 7:11
